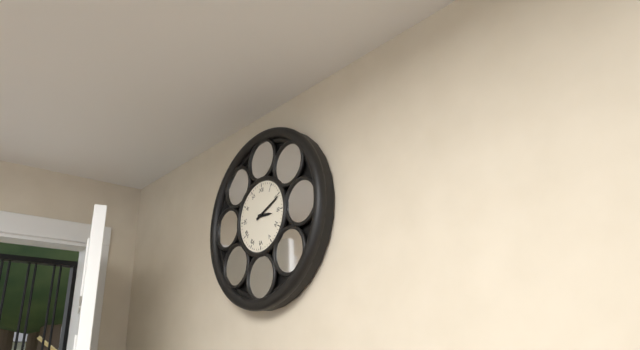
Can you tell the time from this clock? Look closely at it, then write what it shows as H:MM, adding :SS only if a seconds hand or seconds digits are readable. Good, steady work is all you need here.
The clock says 3:11
